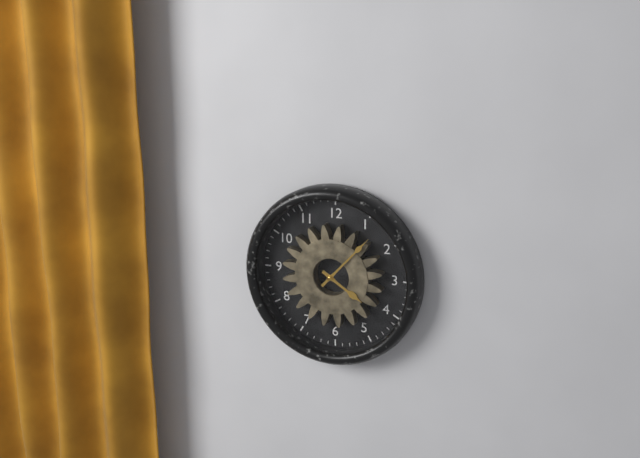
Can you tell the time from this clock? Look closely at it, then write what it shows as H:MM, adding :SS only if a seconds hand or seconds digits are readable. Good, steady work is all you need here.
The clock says 4:07
